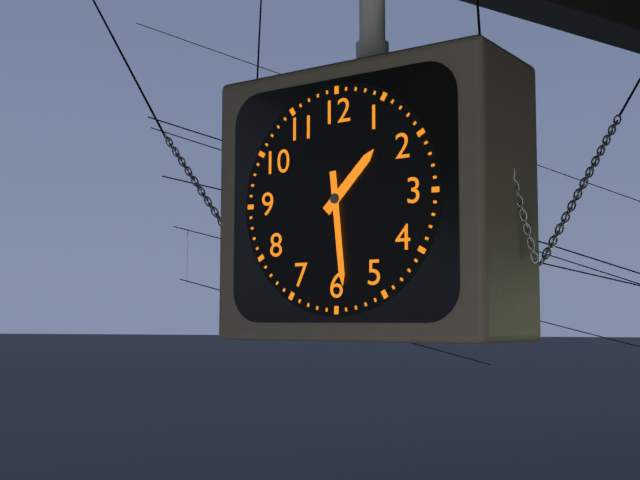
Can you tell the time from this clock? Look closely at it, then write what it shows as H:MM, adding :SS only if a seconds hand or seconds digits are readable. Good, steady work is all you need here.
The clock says 1:29
